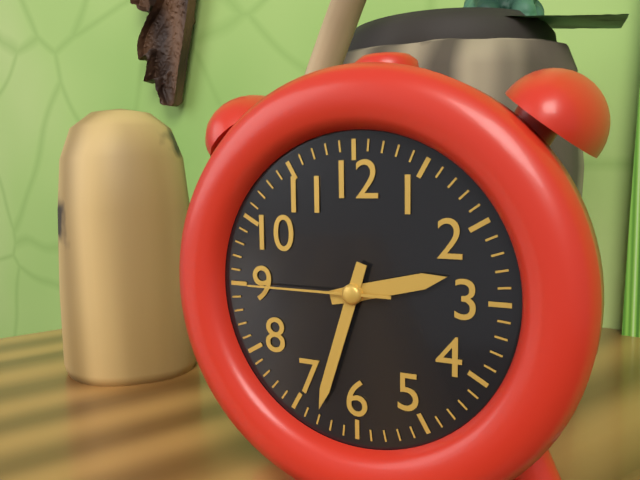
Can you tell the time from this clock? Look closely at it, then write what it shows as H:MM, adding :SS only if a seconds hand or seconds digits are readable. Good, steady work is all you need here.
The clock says 2:33:45
